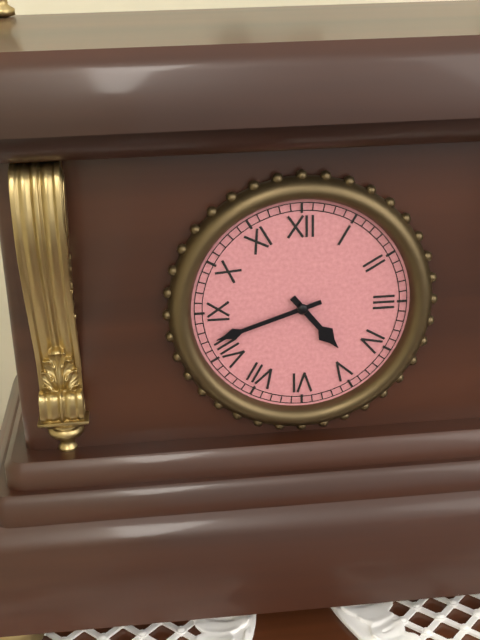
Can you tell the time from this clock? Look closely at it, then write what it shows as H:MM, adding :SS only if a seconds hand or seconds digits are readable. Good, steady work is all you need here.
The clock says 4:42
